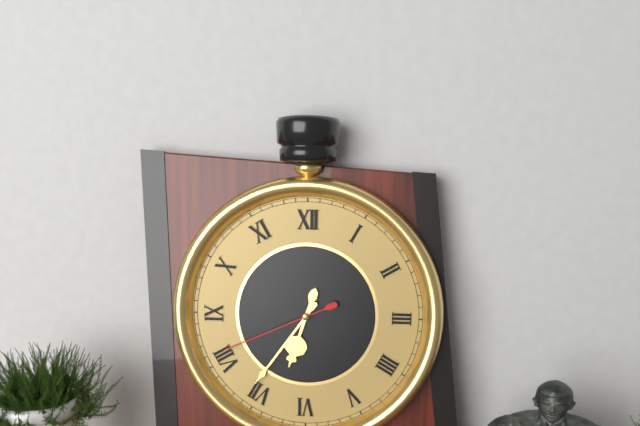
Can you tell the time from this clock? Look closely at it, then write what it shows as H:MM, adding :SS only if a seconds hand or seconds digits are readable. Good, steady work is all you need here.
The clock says 6:36:41
